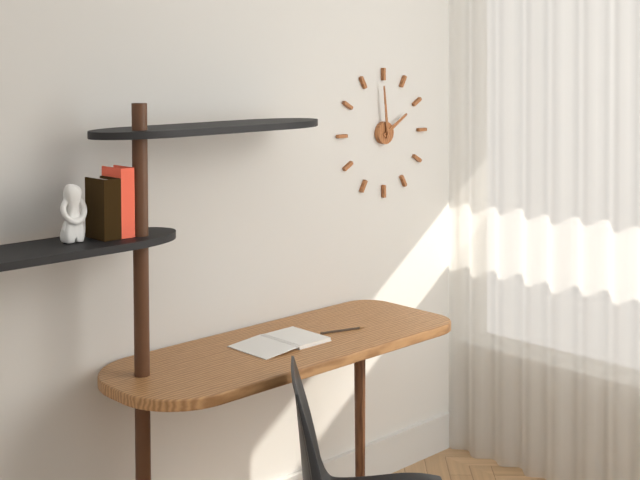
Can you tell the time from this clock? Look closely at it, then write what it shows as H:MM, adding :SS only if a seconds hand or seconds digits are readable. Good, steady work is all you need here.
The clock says 1:59
